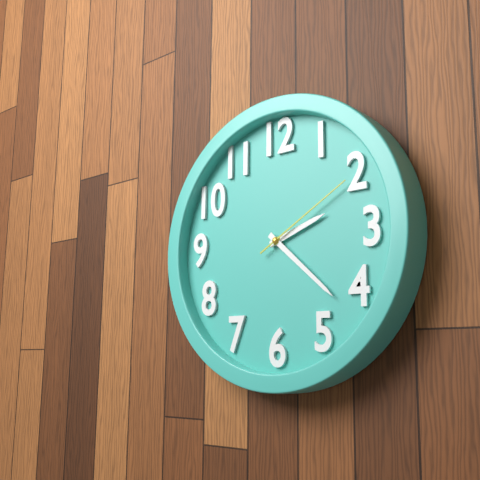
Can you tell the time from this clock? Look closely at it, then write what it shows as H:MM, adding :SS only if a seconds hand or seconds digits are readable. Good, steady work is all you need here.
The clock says 2:22:10
